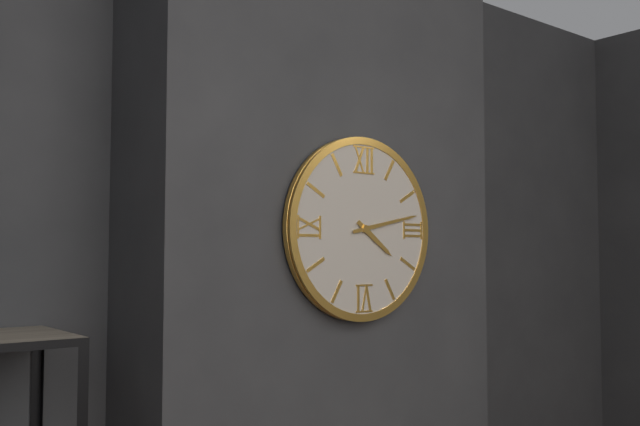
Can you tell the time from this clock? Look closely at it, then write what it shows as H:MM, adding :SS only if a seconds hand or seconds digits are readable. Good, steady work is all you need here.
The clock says 4:13
